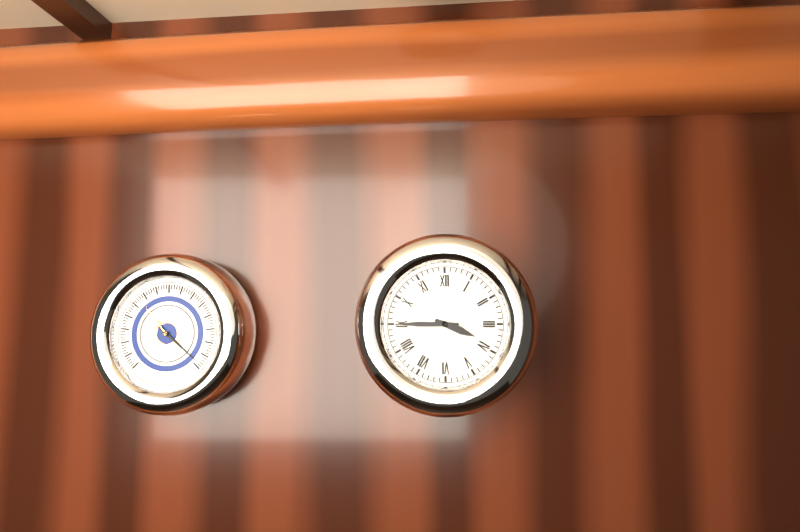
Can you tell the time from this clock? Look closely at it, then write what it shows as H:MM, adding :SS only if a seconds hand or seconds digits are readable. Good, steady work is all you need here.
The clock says 3:45
